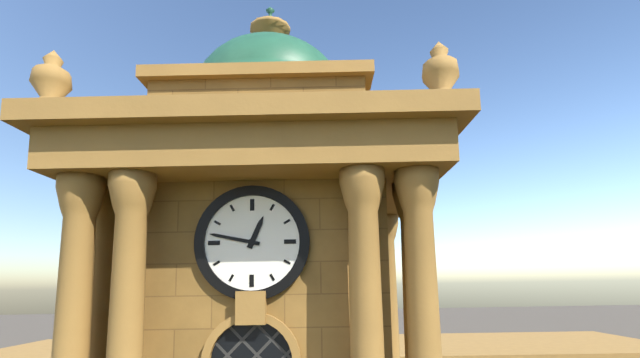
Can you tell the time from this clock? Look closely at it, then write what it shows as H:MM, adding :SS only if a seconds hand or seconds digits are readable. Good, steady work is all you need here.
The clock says 12:47
